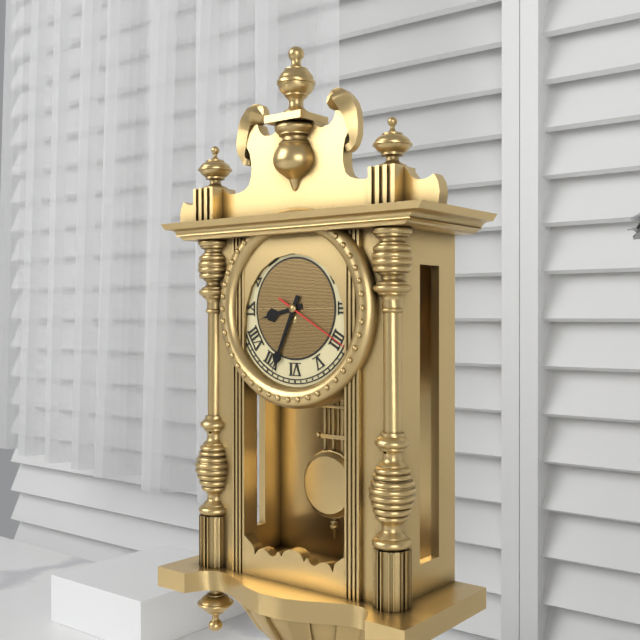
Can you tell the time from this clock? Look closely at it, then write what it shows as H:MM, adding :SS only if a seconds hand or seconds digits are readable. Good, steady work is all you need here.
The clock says 8:34:20
